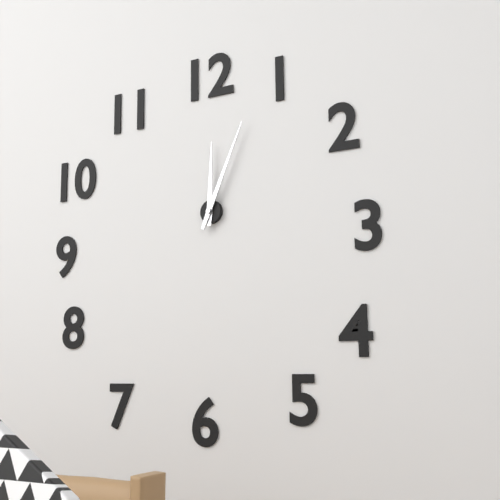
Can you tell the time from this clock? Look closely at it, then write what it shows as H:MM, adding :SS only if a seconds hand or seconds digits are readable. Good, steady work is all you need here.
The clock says 12:04
